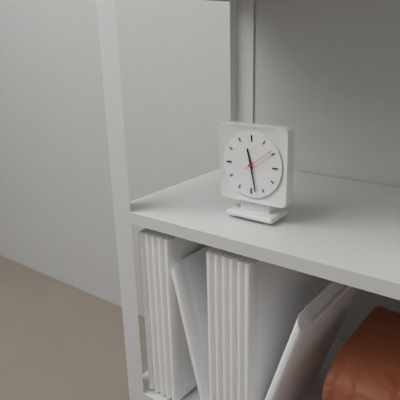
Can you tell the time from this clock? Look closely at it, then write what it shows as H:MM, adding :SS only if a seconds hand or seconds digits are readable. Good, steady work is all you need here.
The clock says 11:28
